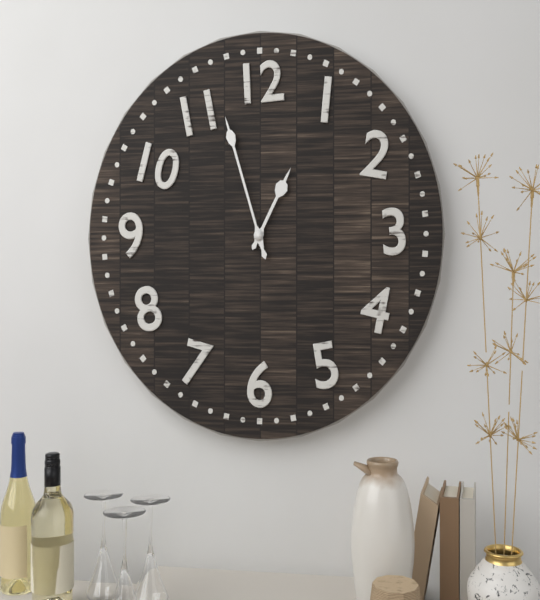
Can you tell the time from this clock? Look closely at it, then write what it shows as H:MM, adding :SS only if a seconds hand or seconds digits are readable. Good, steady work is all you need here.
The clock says 12:57
